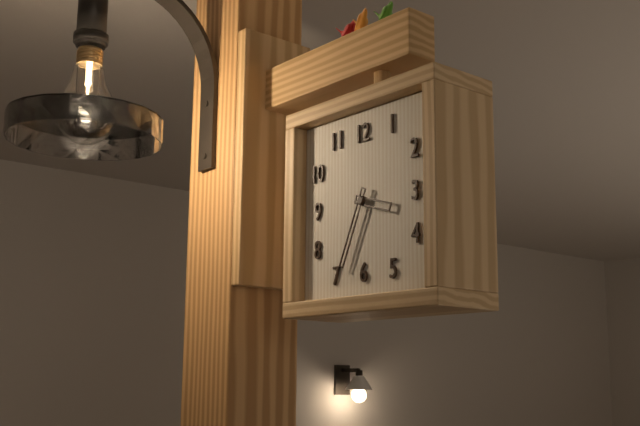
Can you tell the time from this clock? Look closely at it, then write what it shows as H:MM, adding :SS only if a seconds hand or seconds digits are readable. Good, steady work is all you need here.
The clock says 3:34
